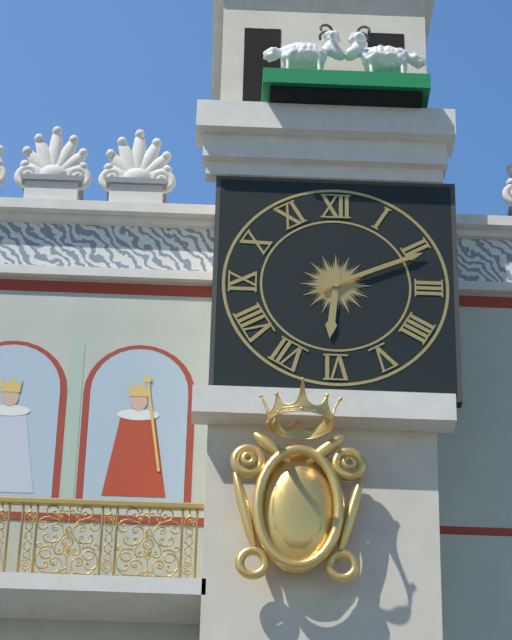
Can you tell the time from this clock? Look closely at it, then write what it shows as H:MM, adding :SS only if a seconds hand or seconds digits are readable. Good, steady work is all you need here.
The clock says 6:11
